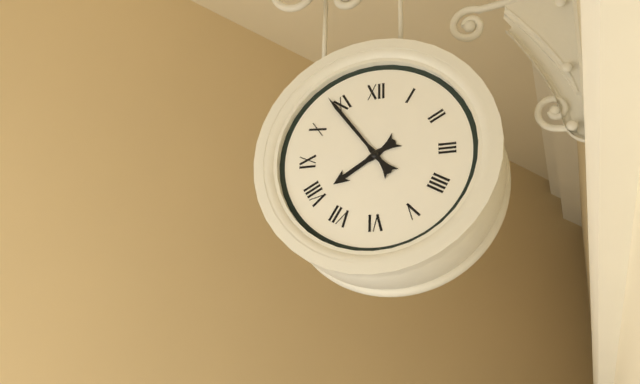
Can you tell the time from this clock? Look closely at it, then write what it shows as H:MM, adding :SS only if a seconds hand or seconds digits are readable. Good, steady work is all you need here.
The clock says 7:54
